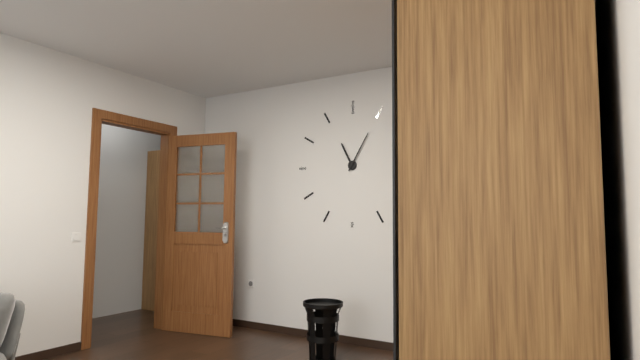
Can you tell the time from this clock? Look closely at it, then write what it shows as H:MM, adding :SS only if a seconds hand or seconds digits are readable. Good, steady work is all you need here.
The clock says 11:05
